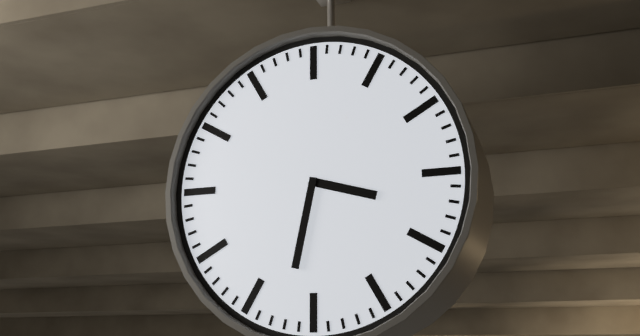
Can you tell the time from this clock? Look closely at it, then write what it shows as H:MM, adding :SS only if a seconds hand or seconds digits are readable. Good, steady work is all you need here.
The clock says 3:32
